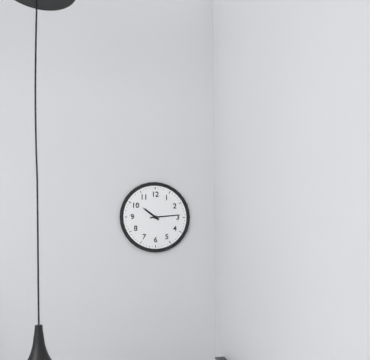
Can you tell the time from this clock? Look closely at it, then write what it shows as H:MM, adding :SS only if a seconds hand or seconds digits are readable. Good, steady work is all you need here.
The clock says 10:14
